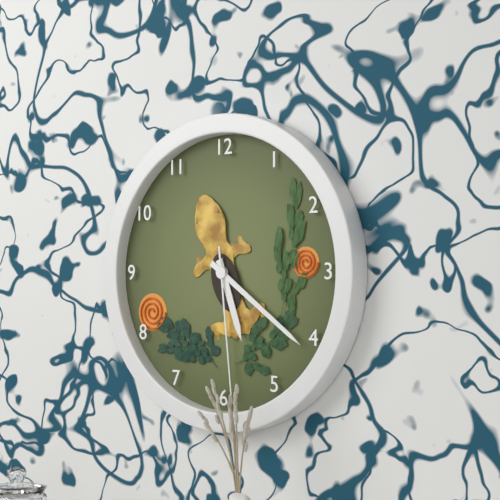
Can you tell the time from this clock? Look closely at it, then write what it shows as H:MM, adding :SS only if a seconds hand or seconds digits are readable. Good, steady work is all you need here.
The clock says 5:21:29
